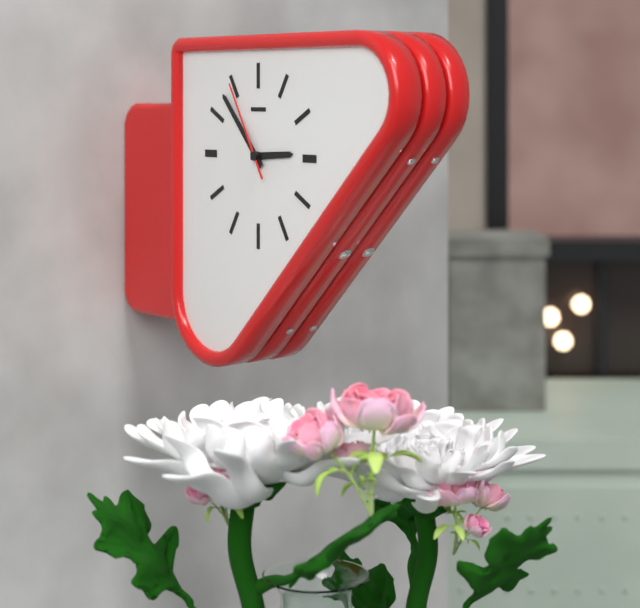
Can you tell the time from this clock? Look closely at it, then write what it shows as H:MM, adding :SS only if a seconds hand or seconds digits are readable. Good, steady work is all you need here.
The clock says 2:53:55
